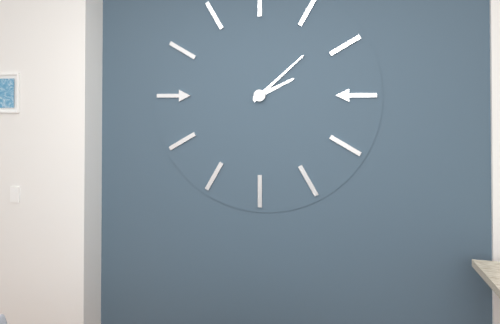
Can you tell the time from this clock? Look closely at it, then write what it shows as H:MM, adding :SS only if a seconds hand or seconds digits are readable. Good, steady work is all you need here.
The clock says 2:08
